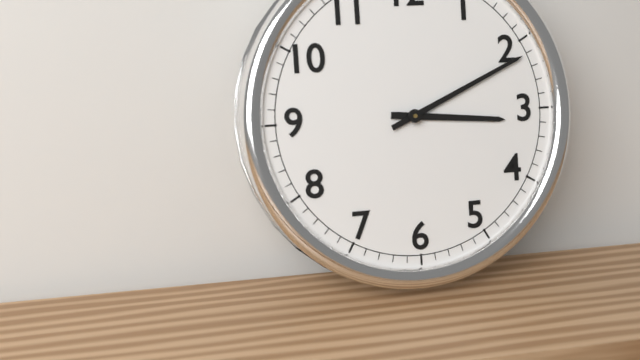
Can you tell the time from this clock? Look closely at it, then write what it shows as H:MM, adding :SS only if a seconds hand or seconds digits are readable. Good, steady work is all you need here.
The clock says 3:11
